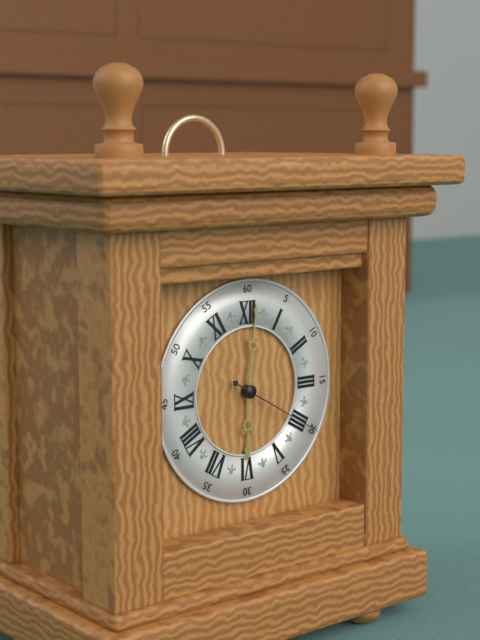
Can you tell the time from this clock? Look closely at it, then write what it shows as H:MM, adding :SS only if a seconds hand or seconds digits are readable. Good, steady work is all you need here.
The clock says 6:01:20
